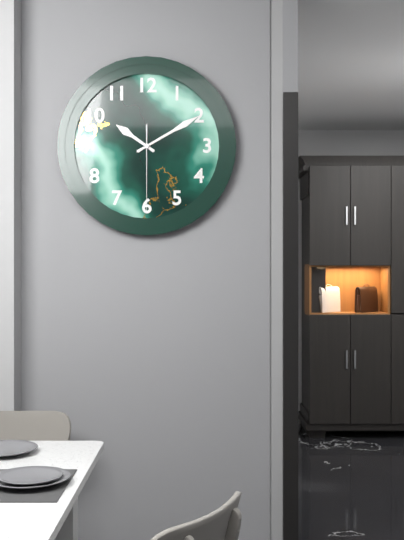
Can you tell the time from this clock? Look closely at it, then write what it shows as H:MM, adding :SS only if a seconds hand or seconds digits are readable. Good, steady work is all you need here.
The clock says 10:10:30
